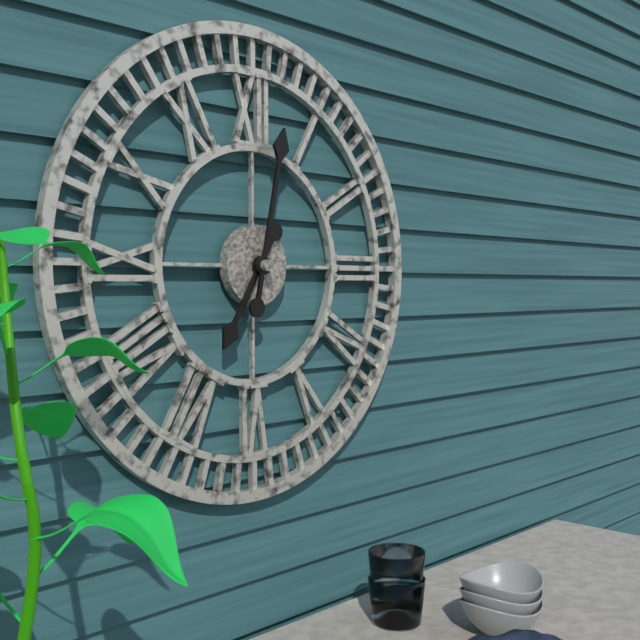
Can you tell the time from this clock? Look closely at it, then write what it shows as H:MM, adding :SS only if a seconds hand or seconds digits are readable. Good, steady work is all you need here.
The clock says 7:02
